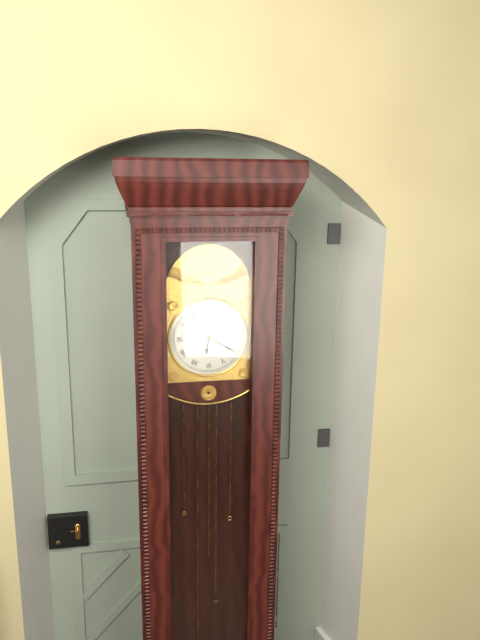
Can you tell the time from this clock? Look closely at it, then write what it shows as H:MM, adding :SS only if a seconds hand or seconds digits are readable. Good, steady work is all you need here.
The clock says 6:20
